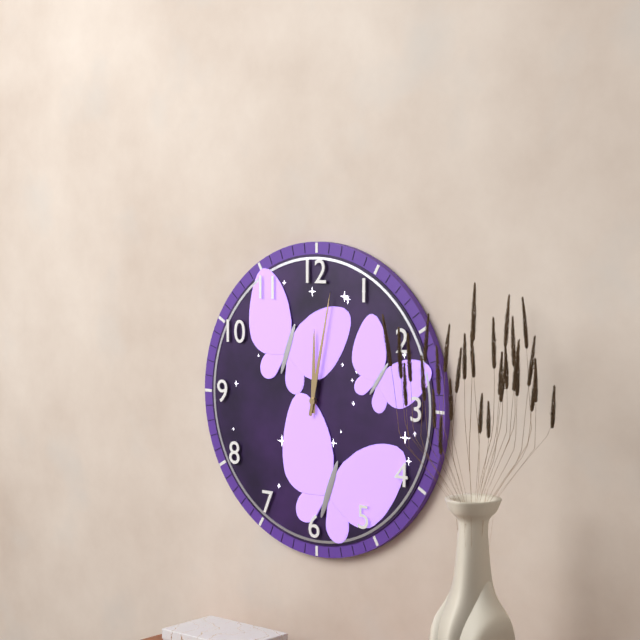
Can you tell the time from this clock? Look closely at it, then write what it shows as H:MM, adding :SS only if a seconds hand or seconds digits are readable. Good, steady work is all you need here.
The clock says 12:02
